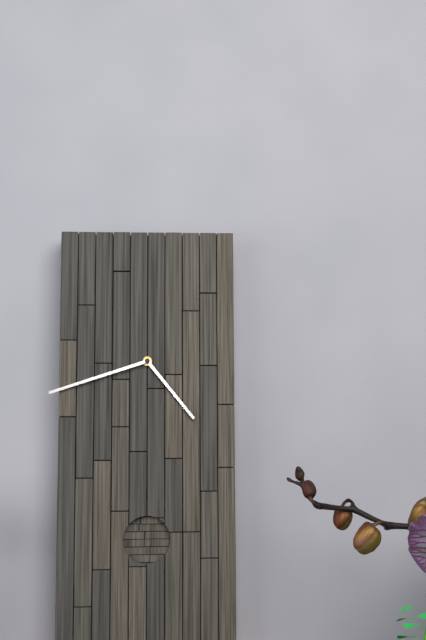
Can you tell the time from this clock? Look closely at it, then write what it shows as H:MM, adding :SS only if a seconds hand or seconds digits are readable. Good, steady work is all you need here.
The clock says 4:42
